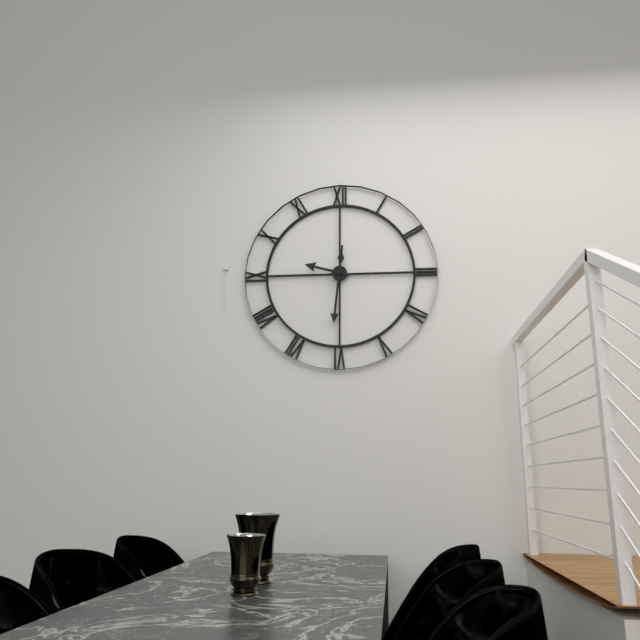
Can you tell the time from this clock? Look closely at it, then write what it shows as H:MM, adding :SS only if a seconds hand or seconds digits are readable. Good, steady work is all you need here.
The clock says 9:31
